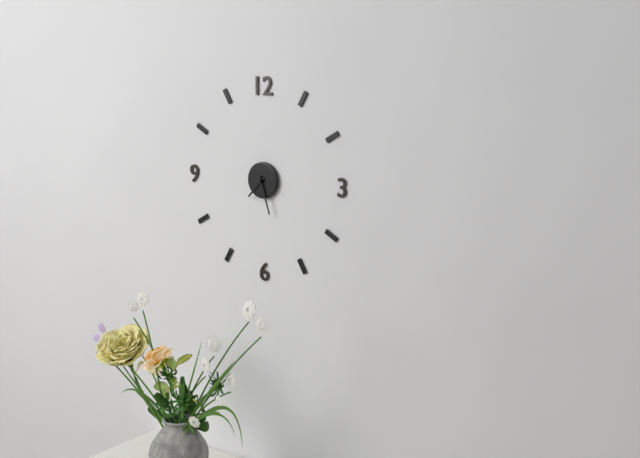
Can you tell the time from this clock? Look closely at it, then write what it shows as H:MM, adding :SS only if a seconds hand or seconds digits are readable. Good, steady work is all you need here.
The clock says 7:27
